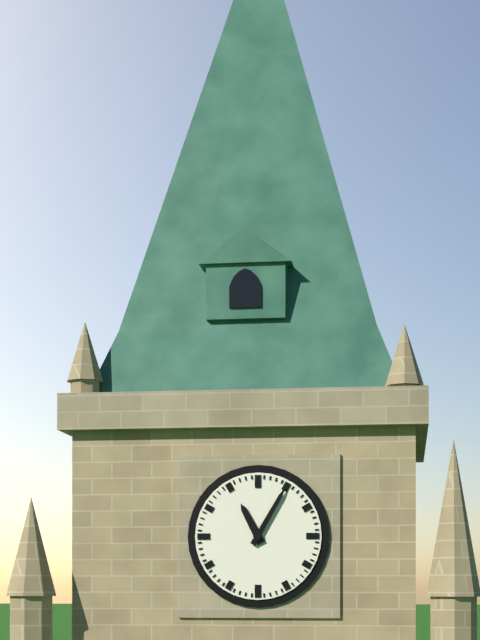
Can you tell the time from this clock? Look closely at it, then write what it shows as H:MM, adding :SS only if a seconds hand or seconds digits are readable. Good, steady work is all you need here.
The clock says 11:05
